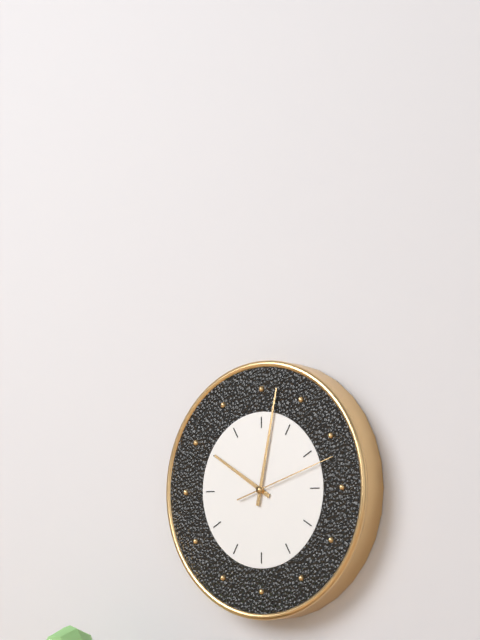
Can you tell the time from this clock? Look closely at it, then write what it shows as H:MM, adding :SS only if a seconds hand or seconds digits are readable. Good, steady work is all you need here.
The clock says 10:02:12
